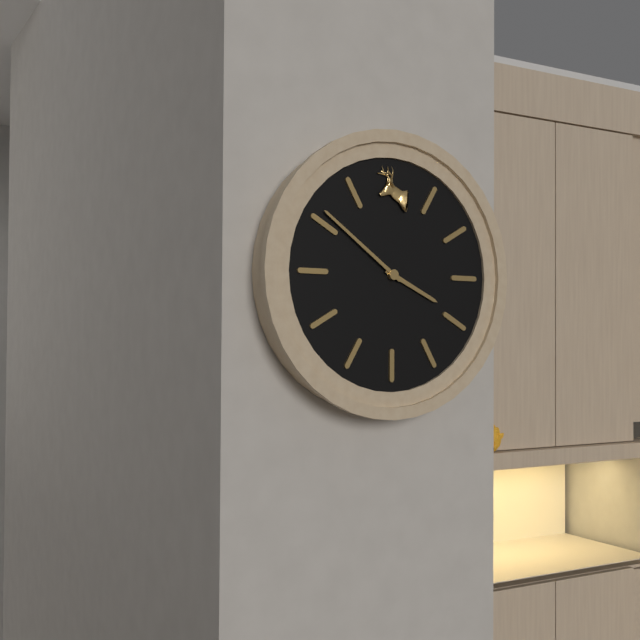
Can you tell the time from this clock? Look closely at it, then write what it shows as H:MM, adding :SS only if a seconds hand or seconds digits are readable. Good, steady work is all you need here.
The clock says 3:51
